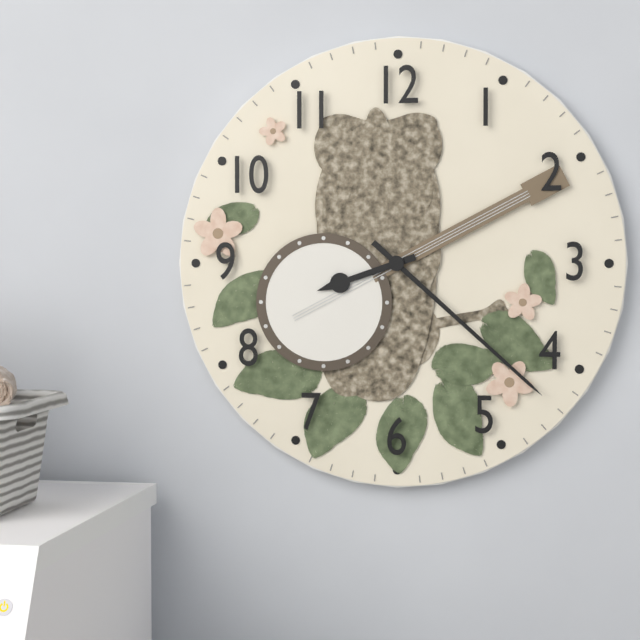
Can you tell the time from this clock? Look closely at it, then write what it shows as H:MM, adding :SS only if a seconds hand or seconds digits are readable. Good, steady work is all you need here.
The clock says 8:22
